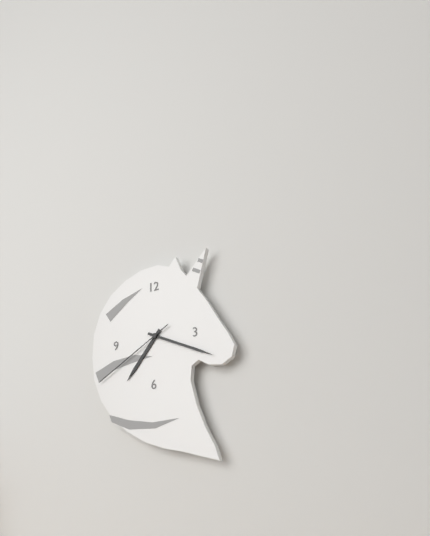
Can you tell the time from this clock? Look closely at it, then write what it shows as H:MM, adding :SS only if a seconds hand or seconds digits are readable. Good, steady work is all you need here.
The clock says 7:19:40
